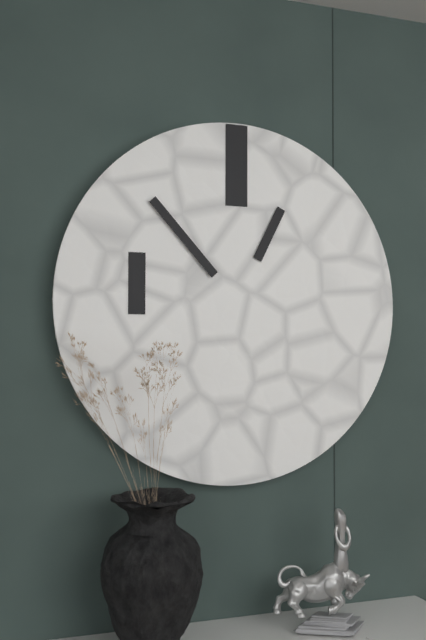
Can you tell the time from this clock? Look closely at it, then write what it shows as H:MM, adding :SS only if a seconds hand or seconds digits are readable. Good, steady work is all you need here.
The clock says 12:53
